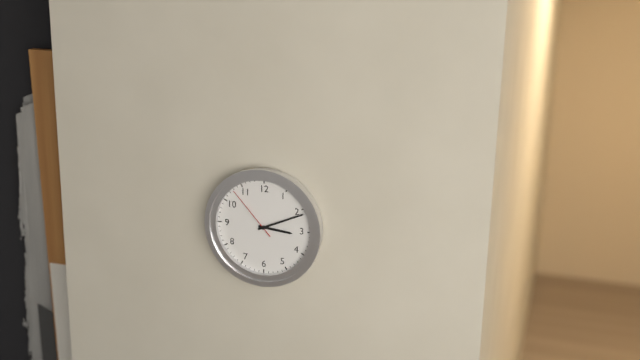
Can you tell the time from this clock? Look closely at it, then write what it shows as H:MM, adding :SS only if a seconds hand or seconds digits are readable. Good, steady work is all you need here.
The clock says 3:11:53
